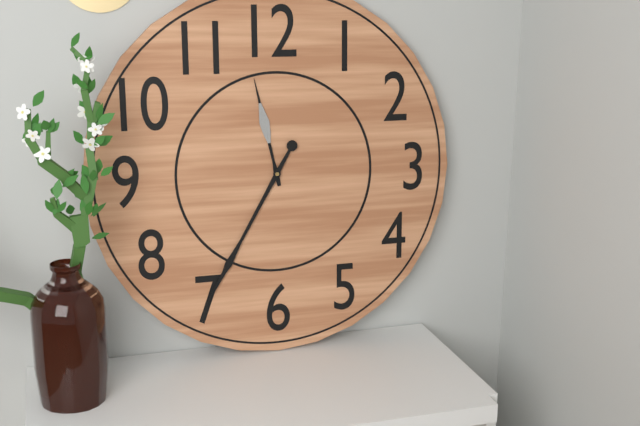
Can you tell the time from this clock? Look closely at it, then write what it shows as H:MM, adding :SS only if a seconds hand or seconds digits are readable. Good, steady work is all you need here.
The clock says 11:35
